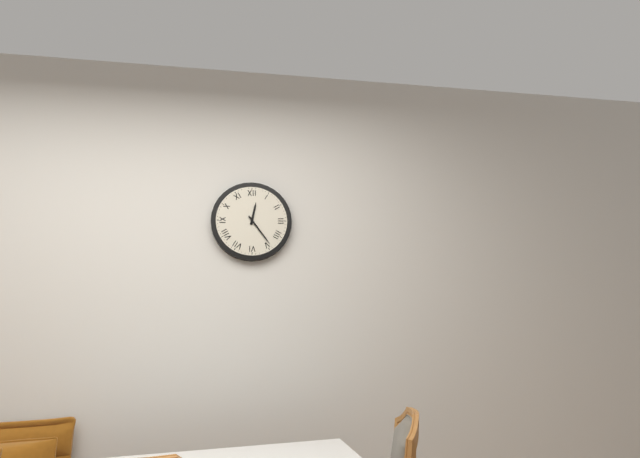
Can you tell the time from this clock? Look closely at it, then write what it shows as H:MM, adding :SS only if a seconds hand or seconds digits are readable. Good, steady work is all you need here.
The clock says 12:24
